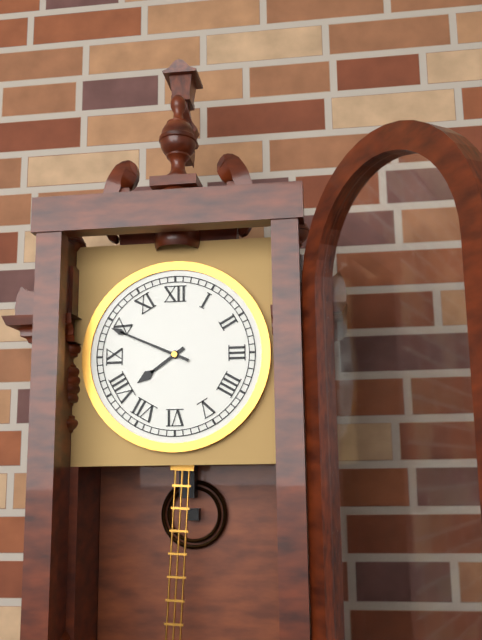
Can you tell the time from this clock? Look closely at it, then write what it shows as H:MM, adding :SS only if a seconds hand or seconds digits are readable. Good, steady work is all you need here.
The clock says 7:49
